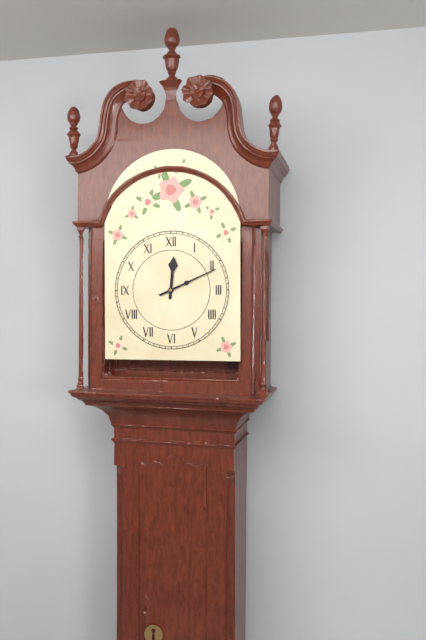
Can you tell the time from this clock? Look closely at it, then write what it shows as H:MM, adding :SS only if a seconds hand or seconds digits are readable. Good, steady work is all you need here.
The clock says 12:11
